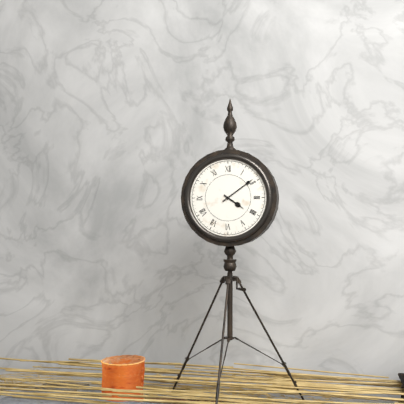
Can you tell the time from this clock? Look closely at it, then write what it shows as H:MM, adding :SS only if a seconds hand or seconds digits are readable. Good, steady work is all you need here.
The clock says 4:09
